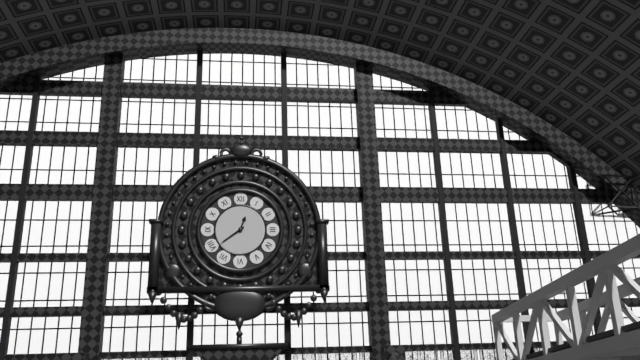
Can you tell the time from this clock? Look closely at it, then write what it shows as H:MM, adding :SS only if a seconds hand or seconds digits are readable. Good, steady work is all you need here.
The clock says 12:39
